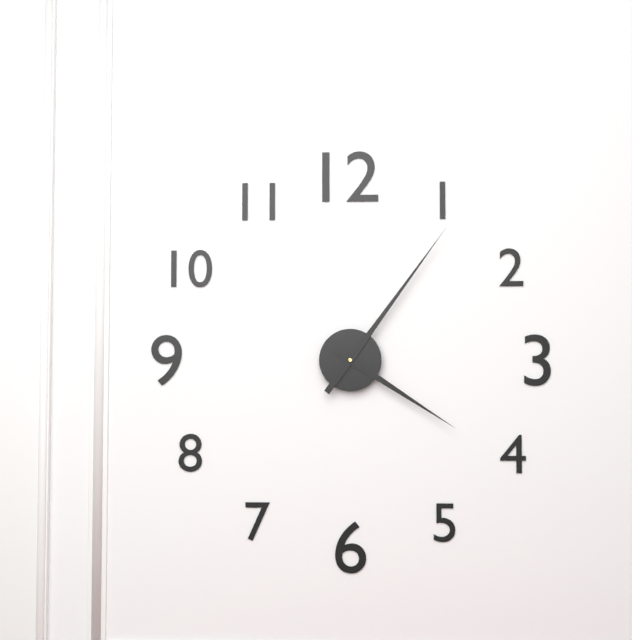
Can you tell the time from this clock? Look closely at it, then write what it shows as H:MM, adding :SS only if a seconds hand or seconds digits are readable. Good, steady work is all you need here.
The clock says 4:06
